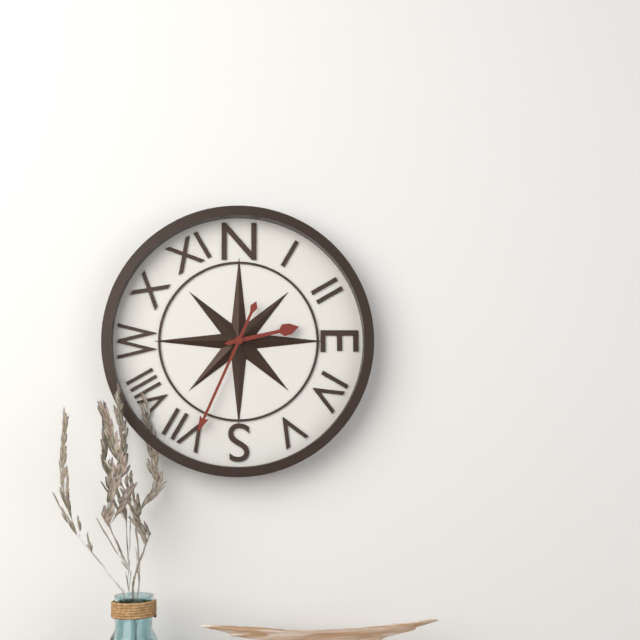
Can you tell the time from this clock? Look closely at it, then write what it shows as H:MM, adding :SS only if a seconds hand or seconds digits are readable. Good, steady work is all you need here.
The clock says 2:34
